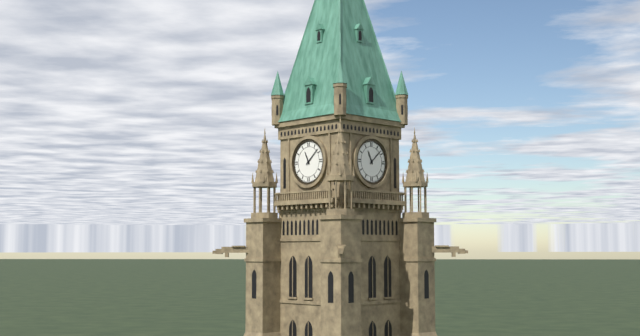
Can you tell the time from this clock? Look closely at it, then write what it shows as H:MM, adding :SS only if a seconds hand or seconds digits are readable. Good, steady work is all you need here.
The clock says 11:08
